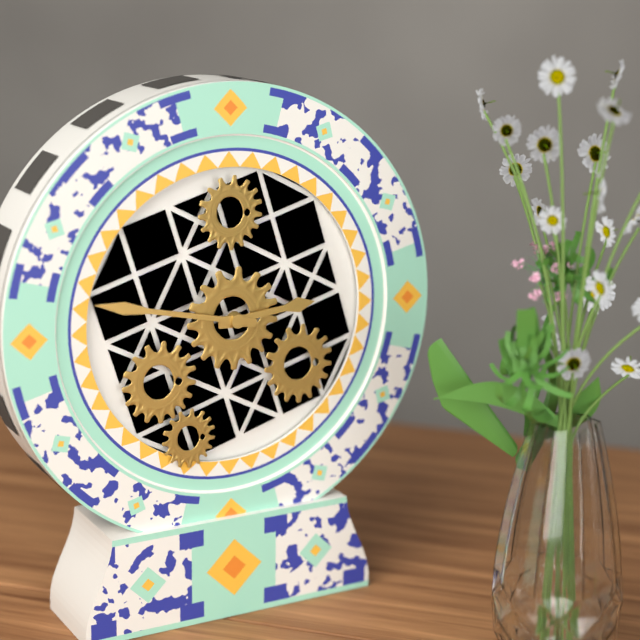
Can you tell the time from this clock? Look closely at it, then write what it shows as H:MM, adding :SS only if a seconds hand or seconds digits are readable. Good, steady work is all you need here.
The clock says 2:47
